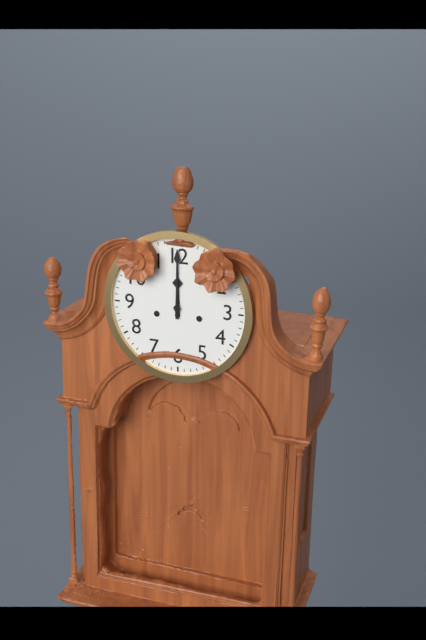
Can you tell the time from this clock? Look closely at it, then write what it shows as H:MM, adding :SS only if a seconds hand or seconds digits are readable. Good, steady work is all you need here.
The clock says 12:00
